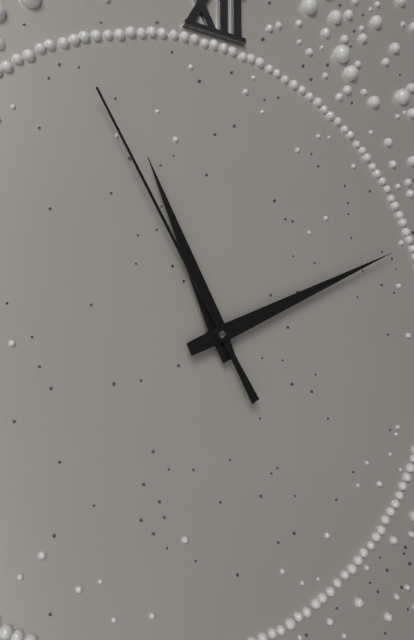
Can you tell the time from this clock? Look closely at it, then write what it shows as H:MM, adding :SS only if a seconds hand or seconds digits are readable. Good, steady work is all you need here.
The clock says 11:11:55
